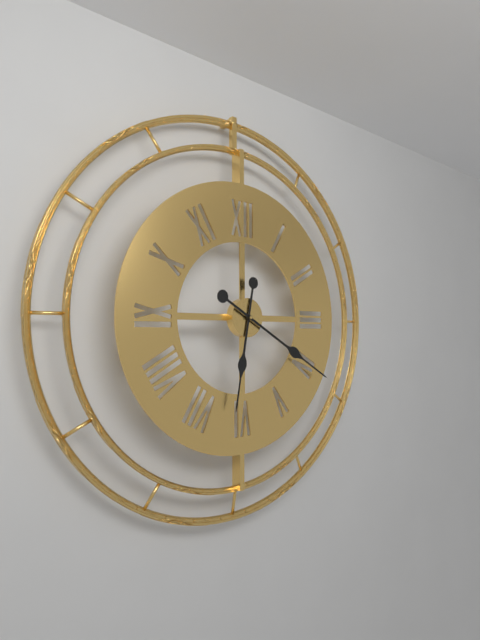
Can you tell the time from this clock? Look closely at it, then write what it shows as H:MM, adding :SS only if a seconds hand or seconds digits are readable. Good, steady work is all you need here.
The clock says 6:20
